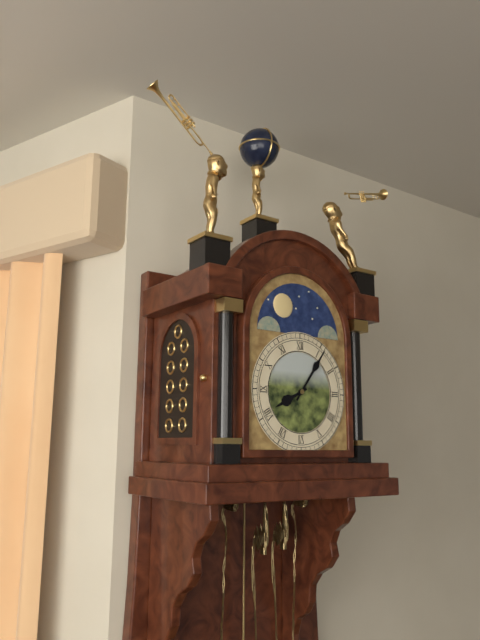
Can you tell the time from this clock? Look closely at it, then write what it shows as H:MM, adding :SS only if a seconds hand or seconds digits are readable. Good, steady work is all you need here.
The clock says 8:06
